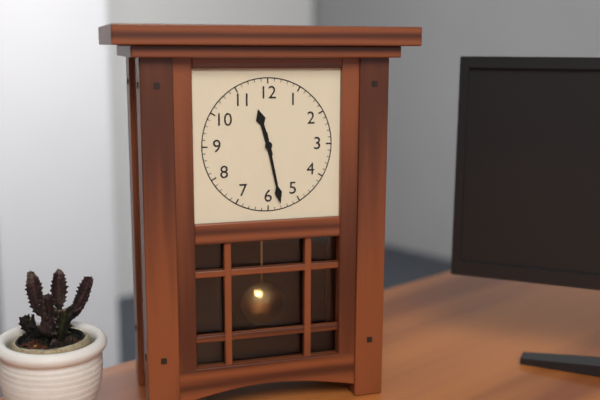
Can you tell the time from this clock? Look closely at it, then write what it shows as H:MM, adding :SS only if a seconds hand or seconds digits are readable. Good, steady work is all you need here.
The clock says 11:28
